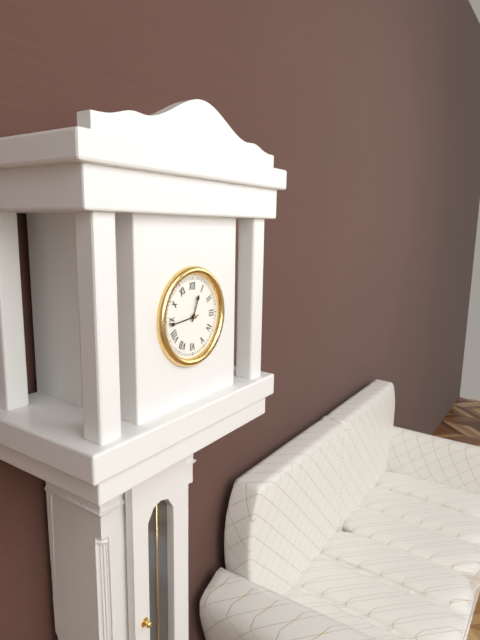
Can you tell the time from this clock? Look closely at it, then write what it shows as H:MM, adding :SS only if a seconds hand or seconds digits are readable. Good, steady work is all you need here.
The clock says 12:44
